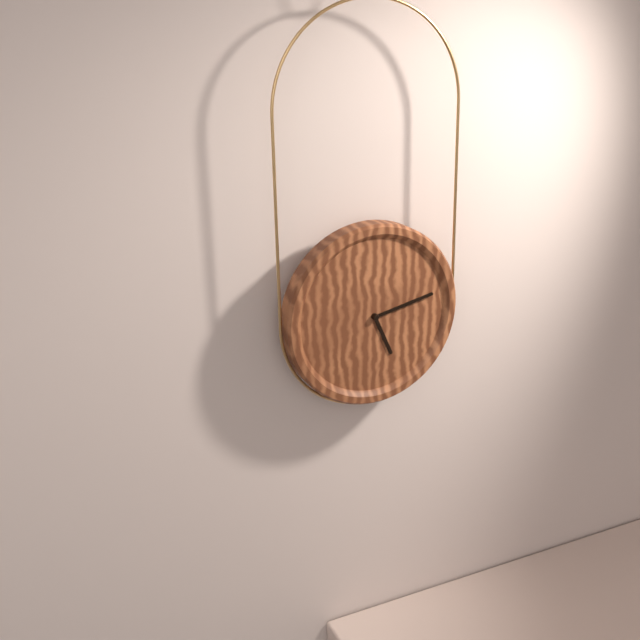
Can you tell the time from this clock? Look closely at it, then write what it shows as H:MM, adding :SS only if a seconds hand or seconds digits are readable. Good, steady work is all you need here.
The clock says 5:13
